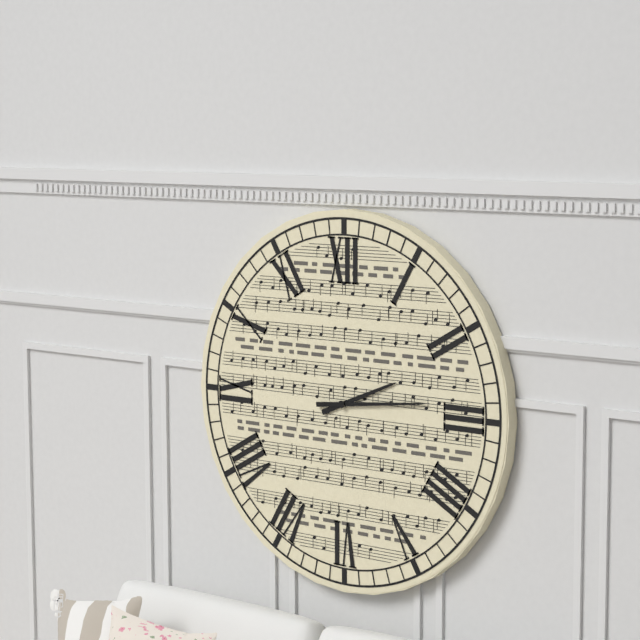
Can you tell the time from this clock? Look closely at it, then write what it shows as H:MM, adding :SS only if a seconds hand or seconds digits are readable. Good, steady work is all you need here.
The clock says 2:14
